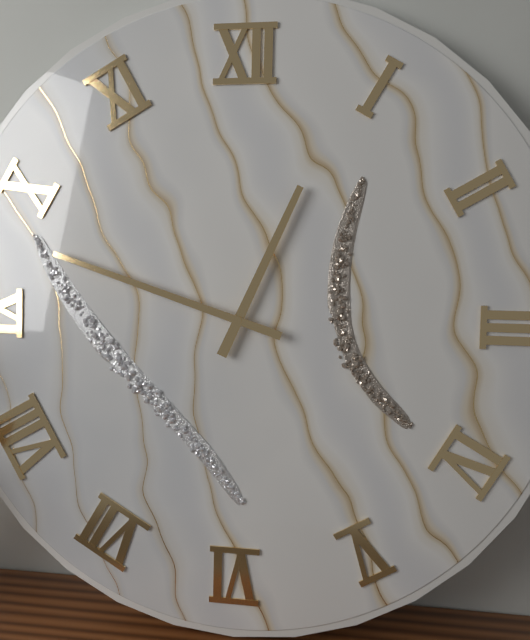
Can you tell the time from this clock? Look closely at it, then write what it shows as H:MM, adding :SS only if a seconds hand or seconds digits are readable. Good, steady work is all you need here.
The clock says 12:48
